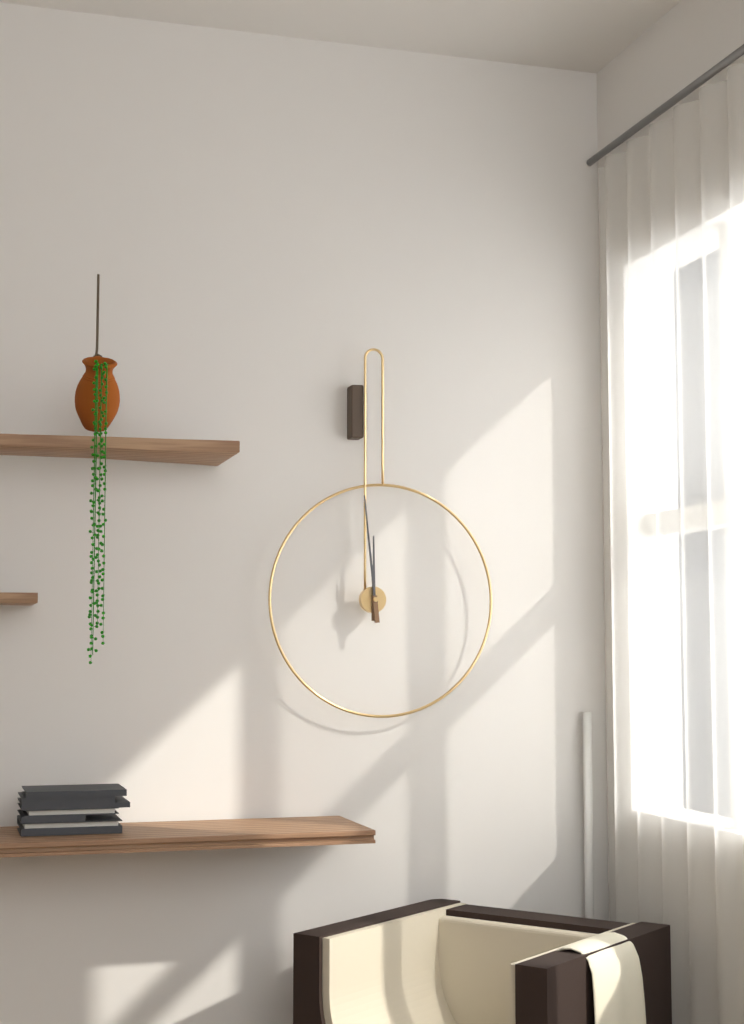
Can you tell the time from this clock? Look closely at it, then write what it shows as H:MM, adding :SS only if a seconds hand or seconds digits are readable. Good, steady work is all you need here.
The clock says 11:59
